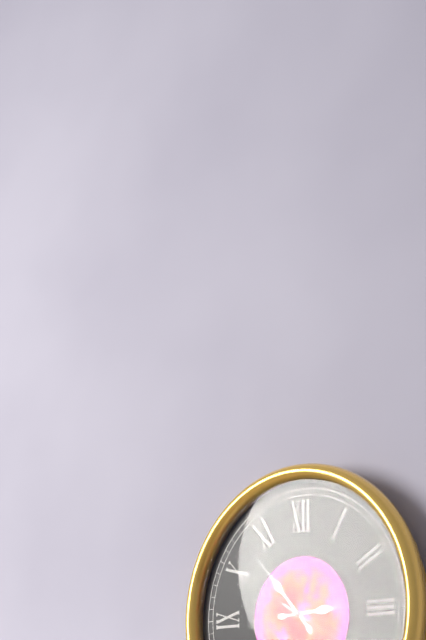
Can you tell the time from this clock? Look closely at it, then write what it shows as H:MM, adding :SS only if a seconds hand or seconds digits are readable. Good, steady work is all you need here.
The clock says 2:53
